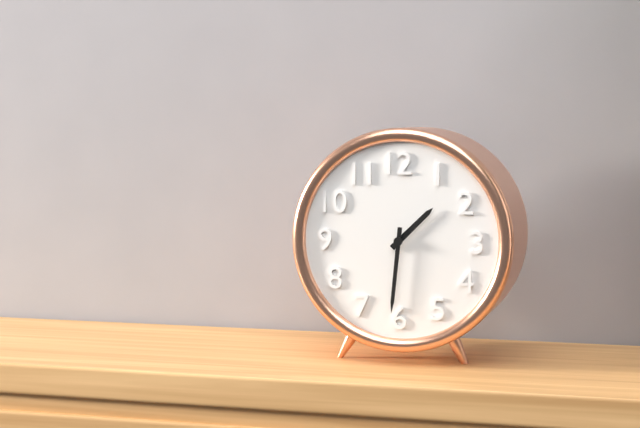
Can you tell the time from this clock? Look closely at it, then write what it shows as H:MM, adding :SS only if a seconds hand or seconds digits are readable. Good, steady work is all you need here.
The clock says 1:31
